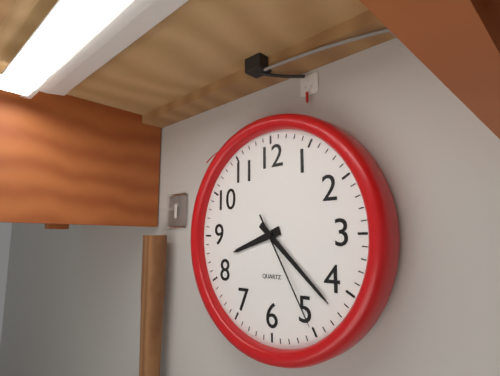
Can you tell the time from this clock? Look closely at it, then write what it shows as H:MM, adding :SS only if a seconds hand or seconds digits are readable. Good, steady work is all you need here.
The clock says 8:22:25
